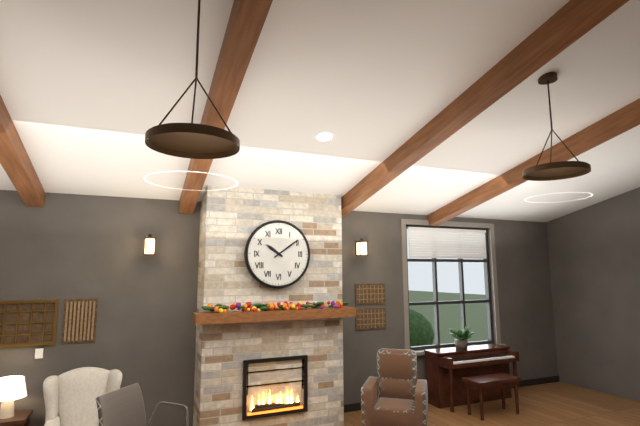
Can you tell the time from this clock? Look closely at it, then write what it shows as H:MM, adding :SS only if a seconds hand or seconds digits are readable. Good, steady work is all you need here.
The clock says 10:09
